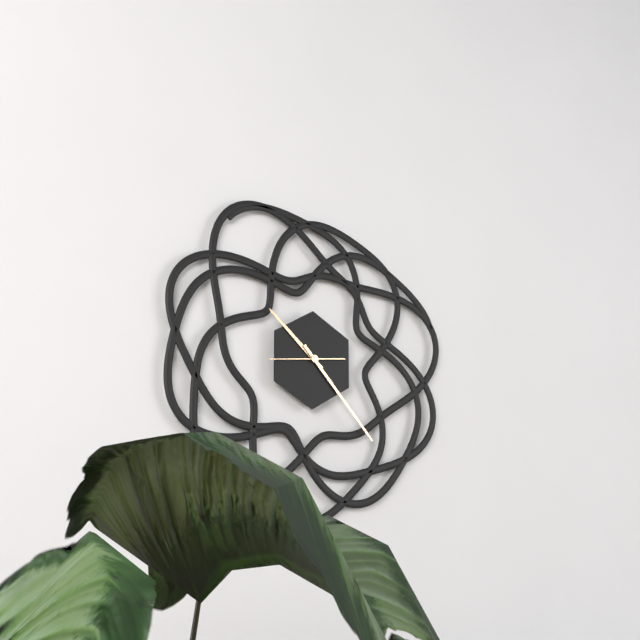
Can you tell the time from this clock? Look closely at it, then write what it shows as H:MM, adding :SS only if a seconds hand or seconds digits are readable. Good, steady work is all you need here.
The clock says 10:23:44
